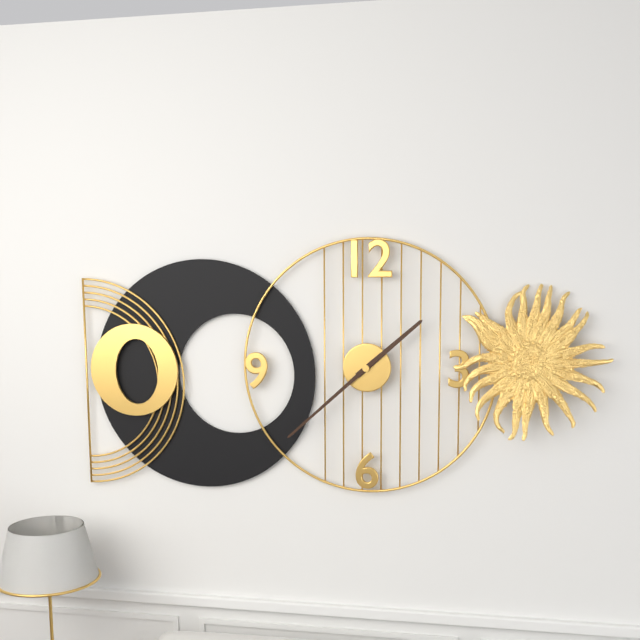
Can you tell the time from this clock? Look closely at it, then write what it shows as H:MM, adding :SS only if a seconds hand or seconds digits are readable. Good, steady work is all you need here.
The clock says 1:38
